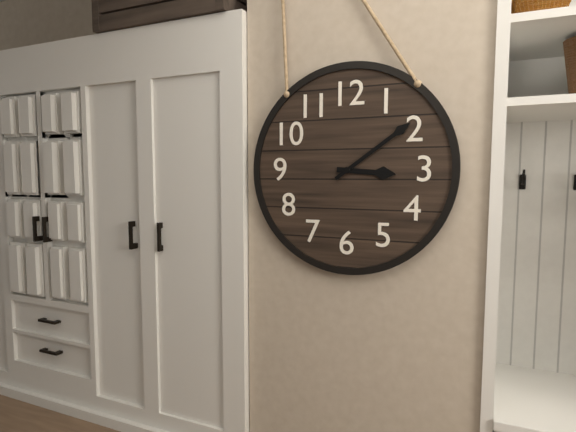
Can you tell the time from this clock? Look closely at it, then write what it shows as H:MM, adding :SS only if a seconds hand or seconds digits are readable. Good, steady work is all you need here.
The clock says 3:09
